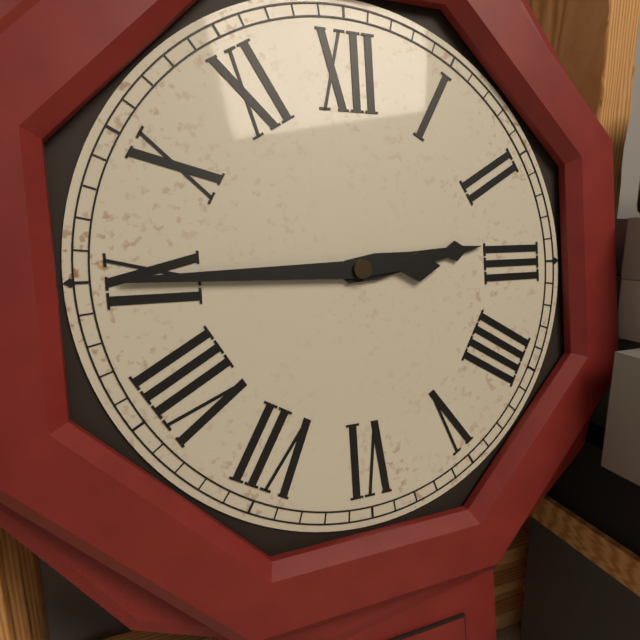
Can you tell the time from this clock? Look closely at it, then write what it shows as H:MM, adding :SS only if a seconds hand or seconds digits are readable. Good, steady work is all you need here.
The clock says 2:45
